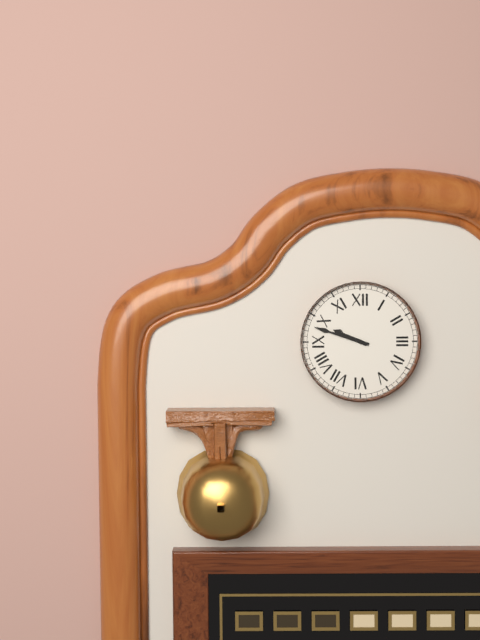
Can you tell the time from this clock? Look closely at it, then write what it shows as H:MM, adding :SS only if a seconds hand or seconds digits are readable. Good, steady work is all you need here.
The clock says 9:48
